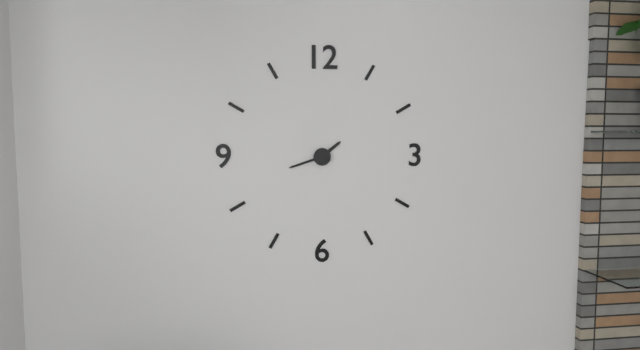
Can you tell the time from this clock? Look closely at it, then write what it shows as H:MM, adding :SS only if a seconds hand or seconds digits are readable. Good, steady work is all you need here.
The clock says 1:42
